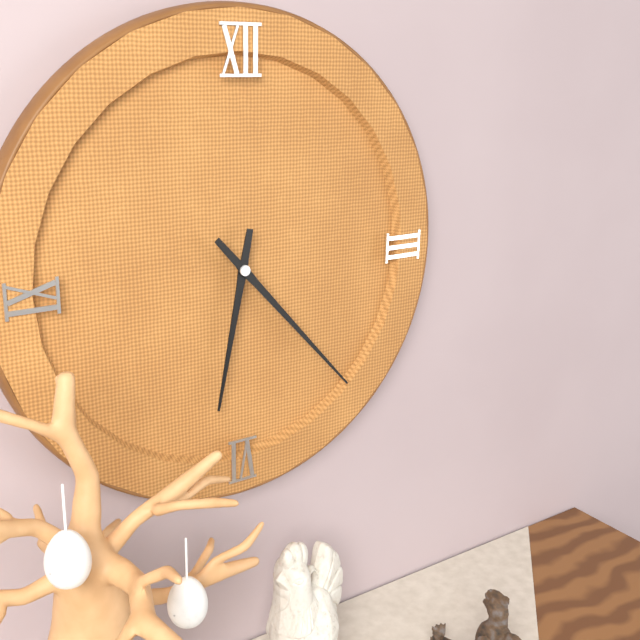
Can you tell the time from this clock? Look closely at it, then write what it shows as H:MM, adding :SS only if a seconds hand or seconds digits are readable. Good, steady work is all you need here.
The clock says 6:23
